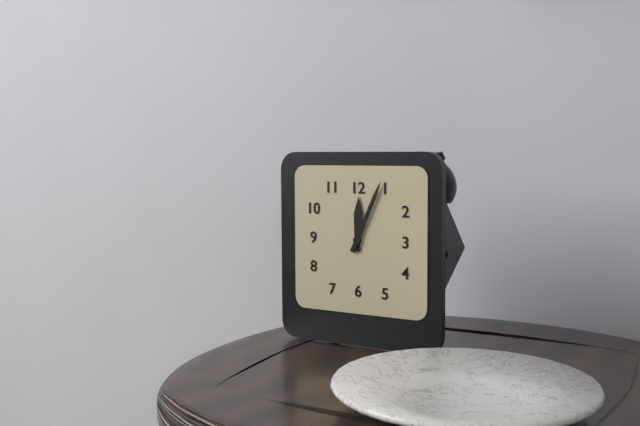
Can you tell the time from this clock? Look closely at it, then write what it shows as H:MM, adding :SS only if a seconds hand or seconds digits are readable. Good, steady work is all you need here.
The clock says 12:04
